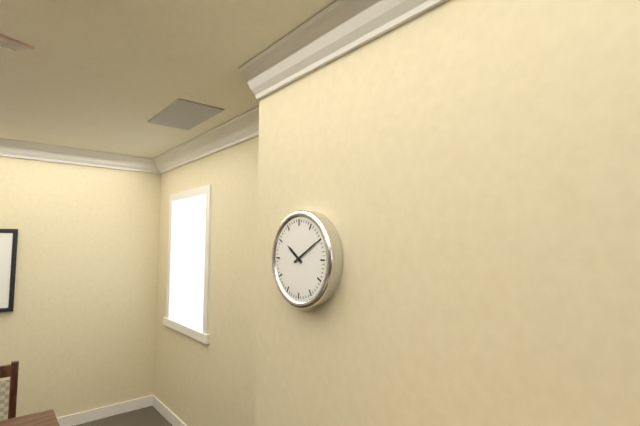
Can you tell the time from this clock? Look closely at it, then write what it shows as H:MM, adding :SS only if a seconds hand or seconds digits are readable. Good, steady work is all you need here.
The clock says 10:10
